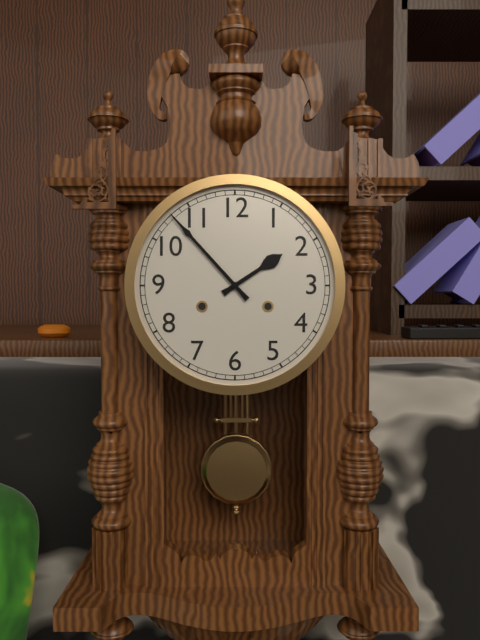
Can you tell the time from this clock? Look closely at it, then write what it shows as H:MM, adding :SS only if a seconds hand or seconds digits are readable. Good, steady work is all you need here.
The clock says 1:53
